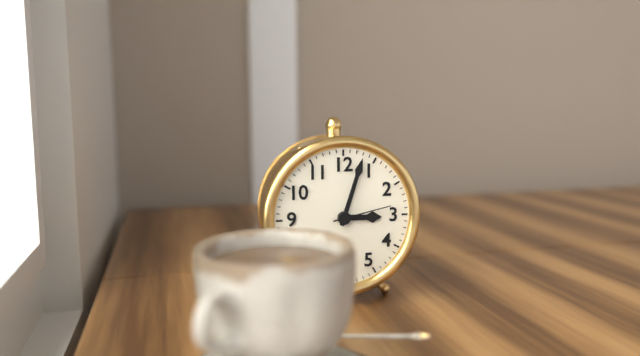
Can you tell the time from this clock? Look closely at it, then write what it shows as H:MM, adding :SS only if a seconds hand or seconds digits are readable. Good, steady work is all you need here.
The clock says 3:03:13
